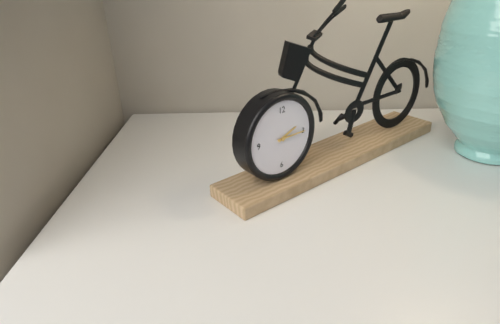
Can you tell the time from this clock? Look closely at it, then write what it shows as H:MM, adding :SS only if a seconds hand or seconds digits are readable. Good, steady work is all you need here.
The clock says 2:15
